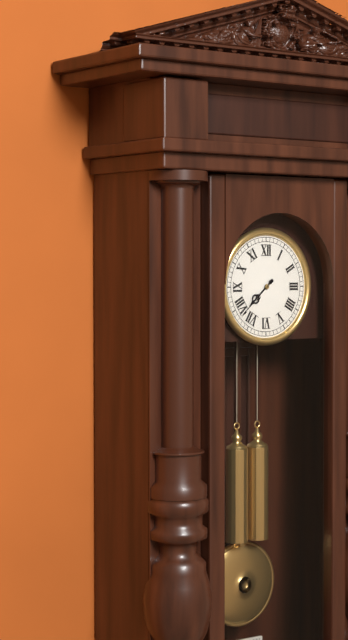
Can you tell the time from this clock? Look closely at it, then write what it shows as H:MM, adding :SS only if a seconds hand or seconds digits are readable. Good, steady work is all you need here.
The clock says 7:38
